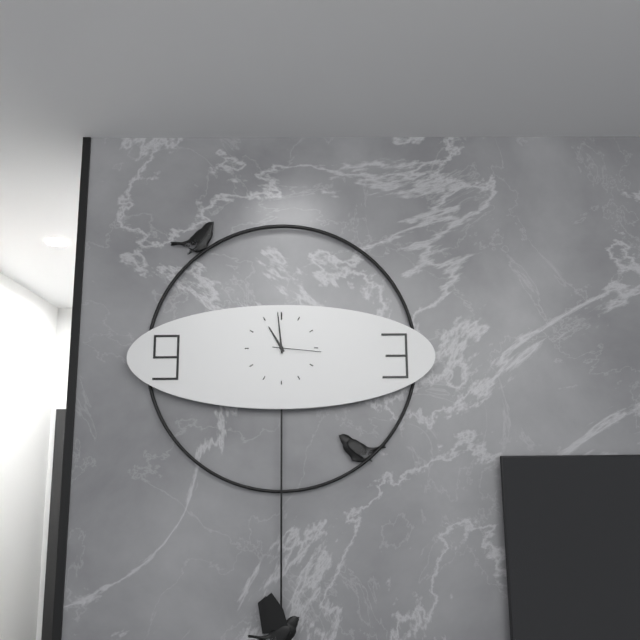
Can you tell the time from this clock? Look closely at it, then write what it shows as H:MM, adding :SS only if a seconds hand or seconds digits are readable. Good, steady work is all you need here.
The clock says 10:59:16
